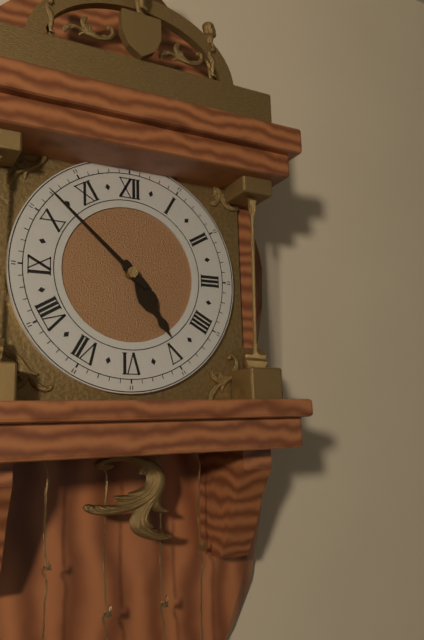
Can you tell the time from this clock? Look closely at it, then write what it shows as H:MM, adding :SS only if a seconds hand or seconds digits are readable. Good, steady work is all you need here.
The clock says 4:52
